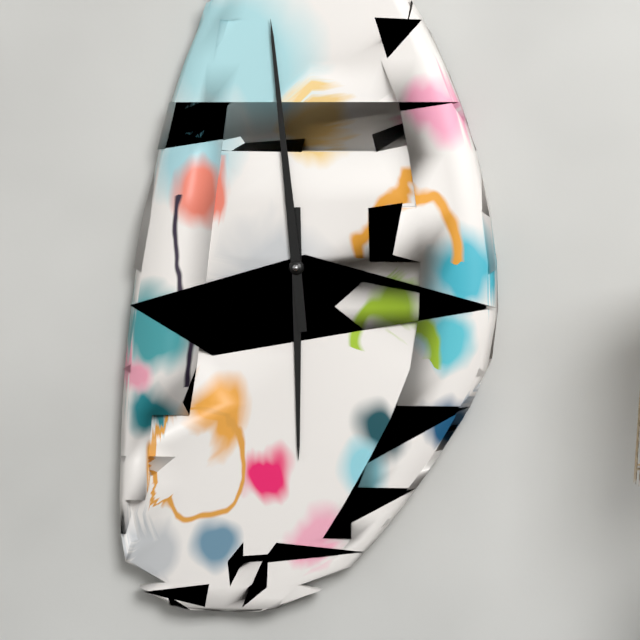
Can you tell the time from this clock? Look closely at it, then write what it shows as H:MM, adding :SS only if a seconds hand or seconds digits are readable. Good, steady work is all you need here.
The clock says 5:59
